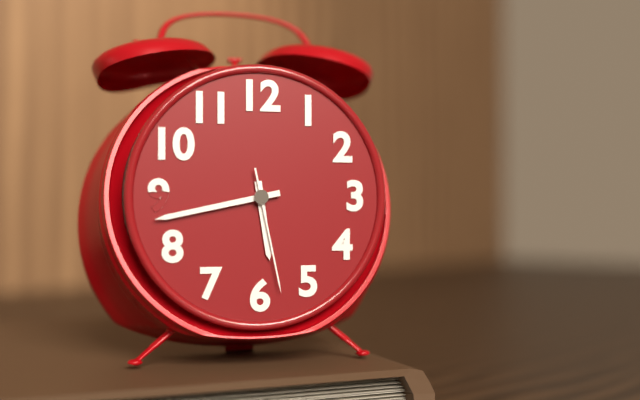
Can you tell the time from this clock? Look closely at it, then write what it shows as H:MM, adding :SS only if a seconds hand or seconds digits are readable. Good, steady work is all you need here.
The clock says 5:43:28
